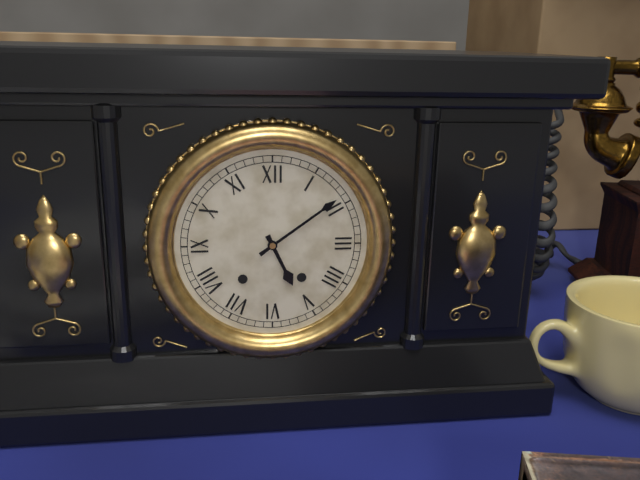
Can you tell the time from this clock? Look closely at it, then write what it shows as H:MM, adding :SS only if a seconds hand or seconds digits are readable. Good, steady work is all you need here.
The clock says 5:09
